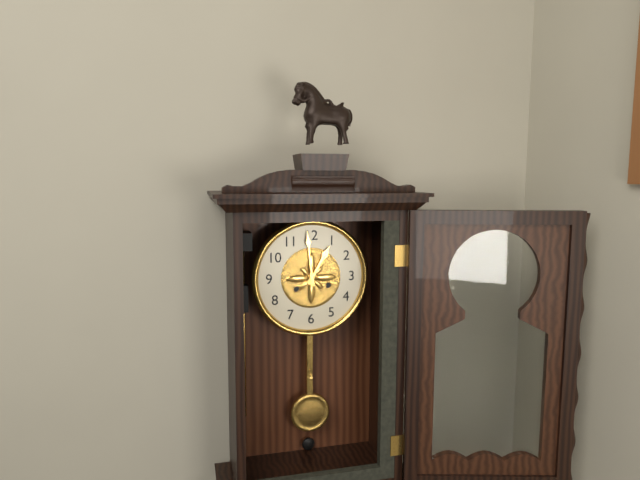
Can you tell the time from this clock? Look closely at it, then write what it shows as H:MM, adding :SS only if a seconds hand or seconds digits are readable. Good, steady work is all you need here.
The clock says 12:59
